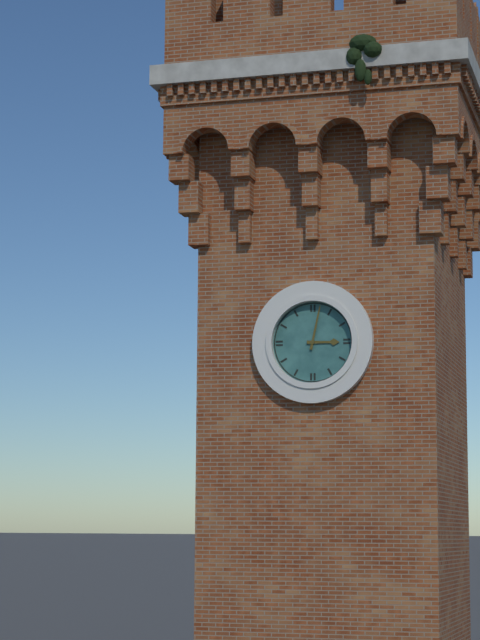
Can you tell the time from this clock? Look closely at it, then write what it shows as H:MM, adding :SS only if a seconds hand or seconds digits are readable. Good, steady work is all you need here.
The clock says 3:02
